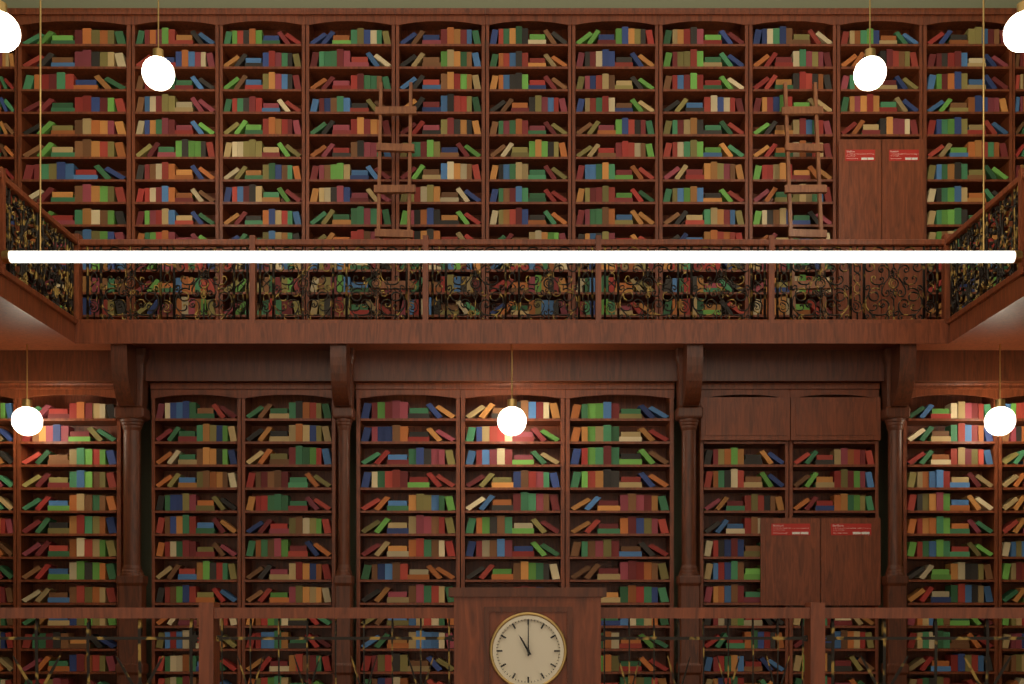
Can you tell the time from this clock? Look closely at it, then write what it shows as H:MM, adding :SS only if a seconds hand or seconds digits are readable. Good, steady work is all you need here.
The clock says 11:00
